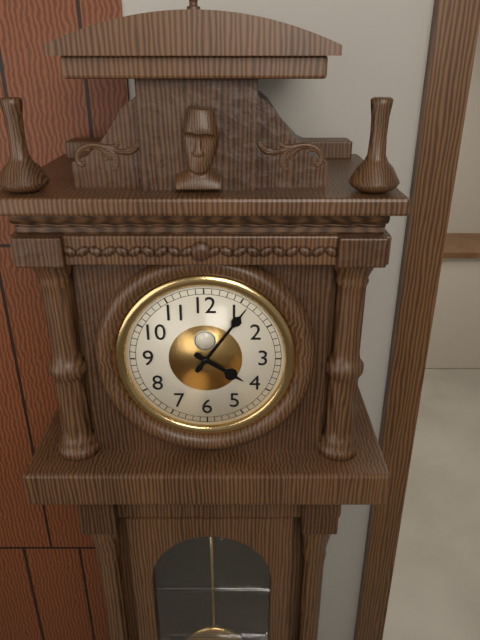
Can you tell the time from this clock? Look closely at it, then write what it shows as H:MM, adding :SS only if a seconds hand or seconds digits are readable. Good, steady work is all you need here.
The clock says 4:06
